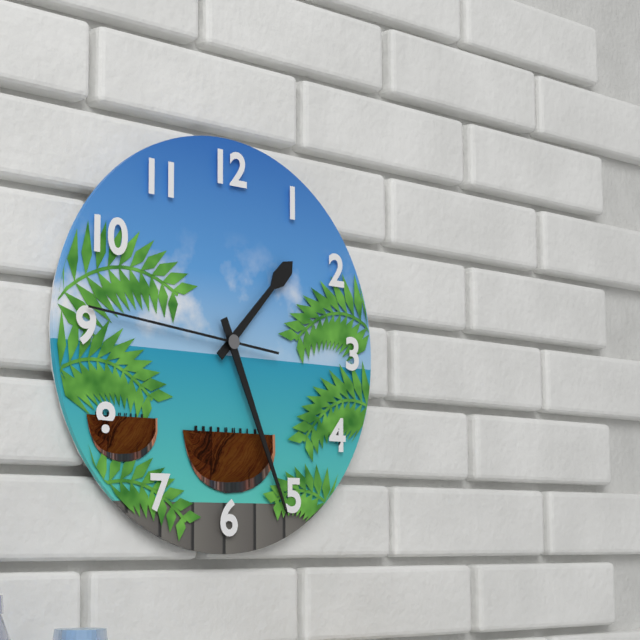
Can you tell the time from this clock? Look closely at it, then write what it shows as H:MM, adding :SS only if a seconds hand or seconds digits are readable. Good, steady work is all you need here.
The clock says 1:26:46
